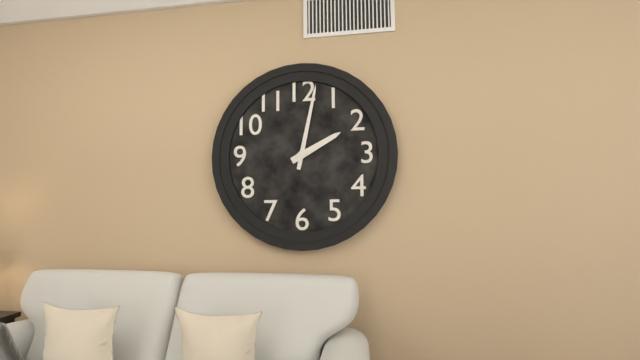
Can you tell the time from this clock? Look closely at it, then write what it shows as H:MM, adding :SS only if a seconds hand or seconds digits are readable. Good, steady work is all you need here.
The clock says 2:02
